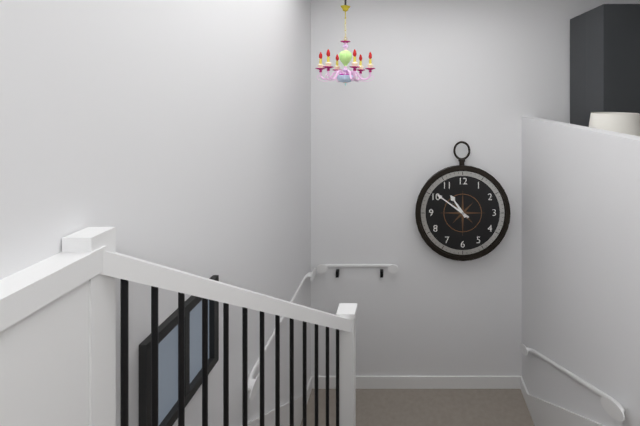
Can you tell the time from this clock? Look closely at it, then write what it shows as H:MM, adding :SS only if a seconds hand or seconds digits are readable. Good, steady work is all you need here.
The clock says 10:51
